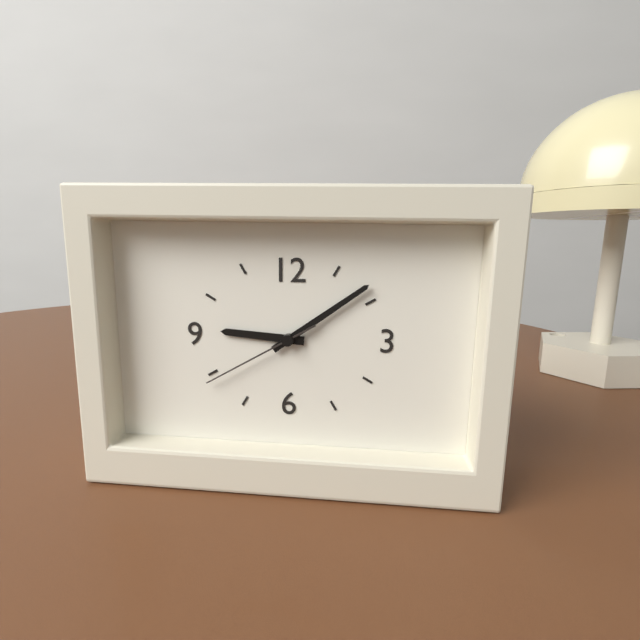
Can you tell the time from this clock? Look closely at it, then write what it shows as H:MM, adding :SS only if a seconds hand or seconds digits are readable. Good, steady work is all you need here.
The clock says 9:09:40
